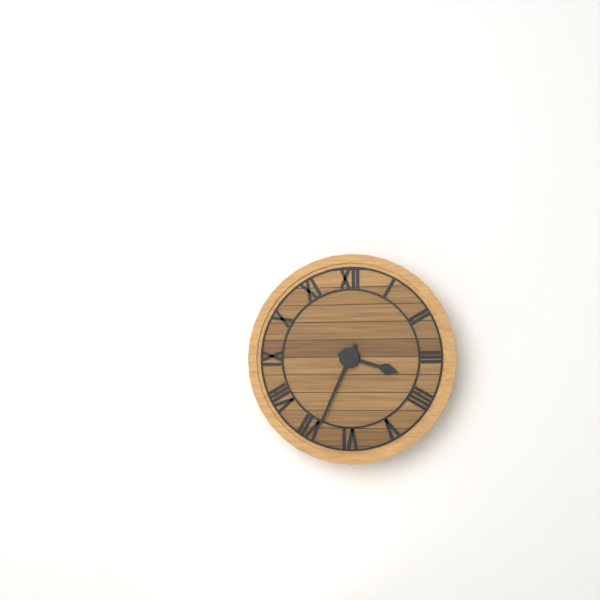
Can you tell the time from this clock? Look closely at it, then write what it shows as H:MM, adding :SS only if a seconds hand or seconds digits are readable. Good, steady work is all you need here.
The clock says 3:34
